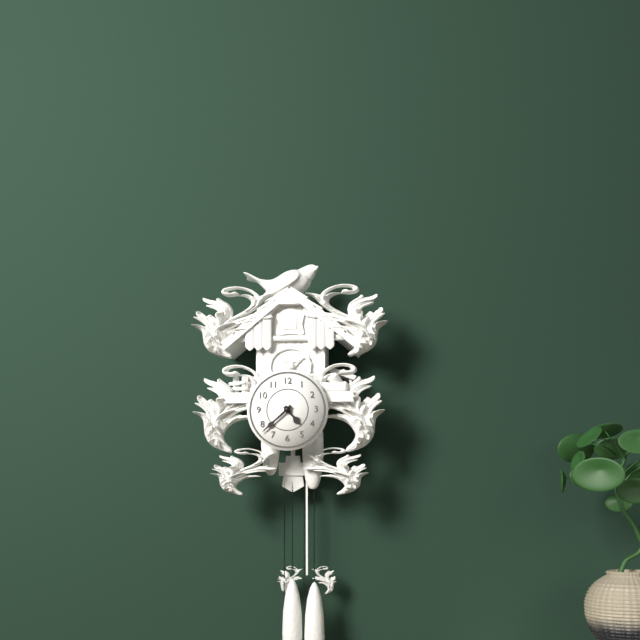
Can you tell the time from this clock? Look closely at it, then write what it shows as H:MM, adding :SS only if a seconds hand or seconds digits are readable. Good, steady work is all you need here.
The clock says 4:38
